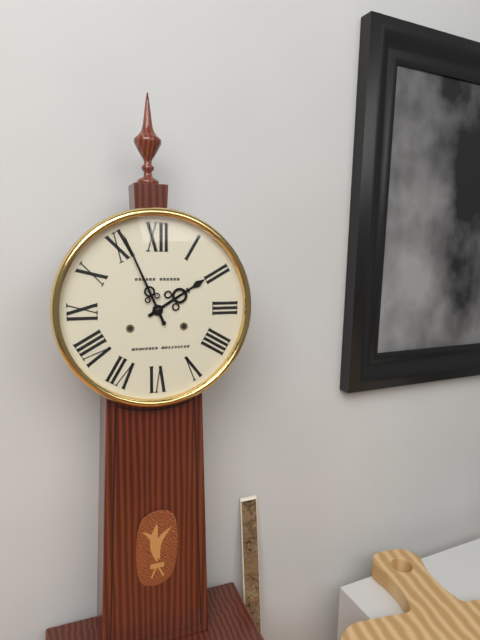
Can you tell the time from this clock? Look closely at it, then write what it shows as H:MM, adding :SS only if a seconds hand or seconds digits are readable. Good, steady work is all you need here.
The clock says 1:56
